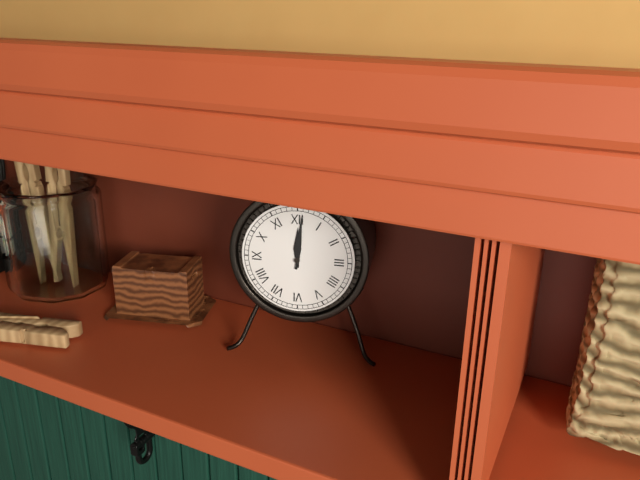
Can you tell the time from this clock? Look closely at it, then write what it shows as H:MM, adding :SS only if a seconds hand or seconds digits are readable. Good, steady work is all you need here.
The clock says 12:01
